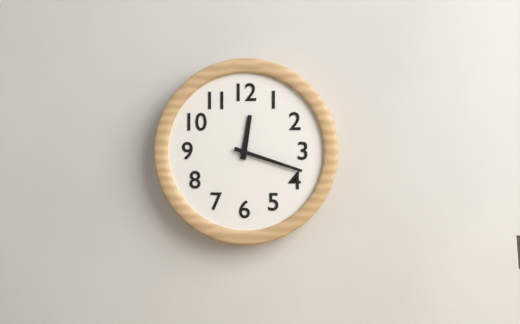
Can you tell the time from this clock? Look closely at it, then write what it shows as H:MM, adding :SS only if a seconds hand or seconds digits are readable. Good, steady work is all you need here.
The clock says 12:18
